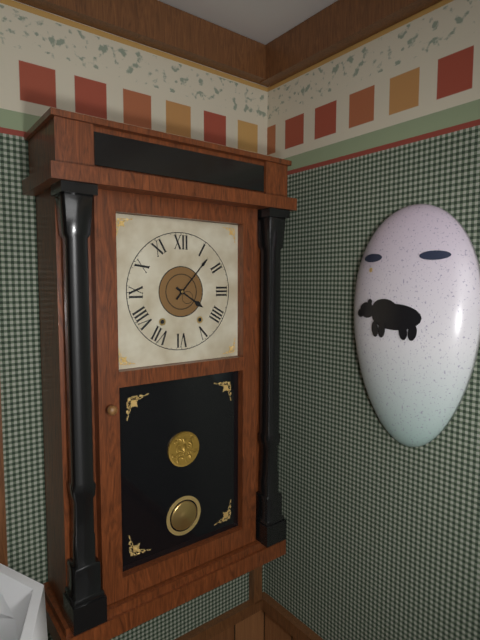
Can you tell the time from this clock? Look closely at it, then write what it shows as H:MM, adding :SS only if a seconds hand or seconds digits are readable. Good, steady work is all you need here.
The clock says 4:07
